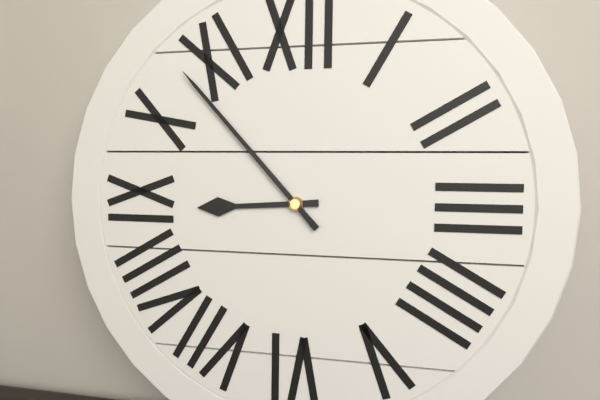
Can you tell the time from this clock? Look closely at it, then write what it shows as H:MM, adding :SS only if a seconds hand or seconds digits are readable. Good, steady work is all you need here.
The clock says 8:53
